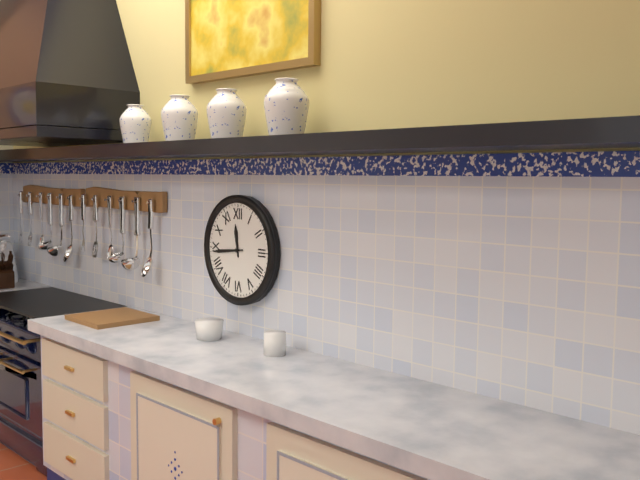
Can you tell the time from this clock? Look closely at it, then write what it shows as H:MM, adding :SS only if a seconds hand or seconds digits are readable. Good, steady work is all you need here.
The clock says 11:44
